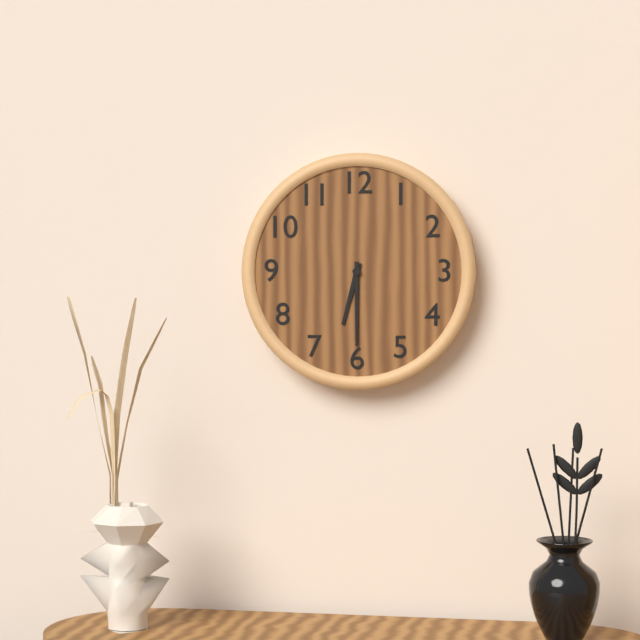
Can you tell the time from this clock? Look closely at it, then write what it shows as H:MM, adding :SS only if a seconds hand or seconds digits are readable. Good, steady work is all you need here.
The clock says 6:30
